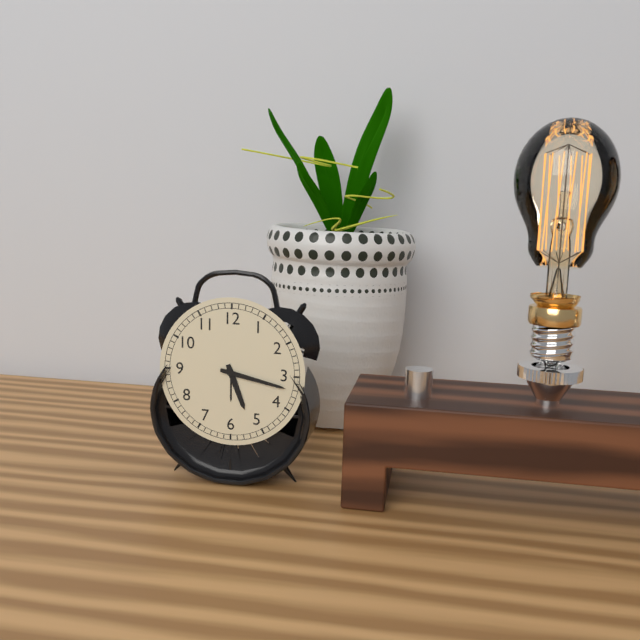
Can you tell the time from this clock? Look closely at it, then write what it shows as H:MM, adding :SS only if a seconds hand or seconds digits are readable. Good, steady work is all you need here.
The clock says 5:17
